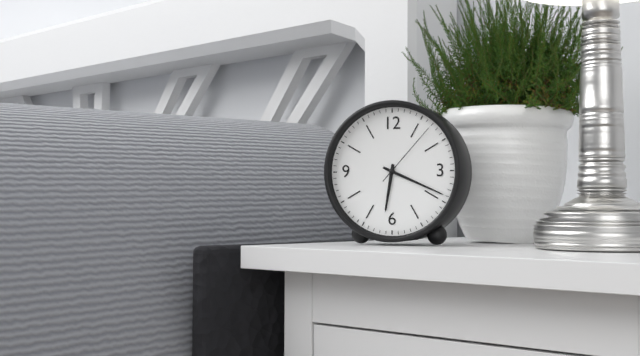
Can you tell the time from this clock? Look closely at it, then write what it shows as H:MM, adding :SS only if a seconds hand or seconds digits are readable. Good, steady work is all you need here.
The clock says 6:19:07
